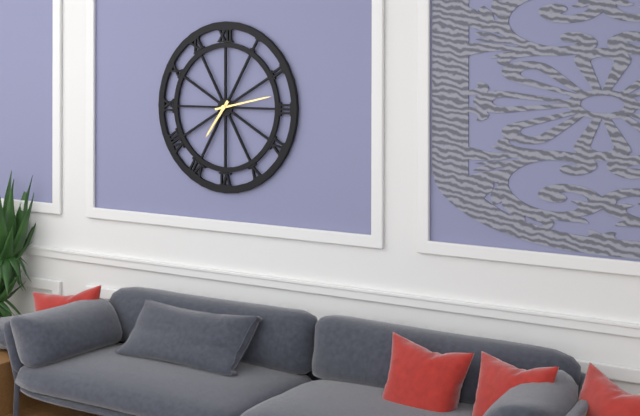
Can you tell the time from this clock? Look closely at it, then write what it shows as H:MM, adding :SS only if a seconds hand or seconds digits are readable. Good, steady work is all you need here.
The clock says 7:13
